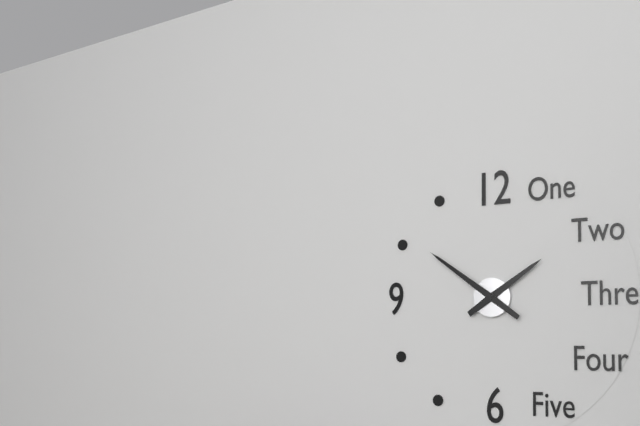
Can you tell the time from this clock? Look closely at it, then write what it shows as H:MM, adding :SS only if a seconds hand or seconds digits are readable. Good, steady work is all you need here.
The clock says 1:51
